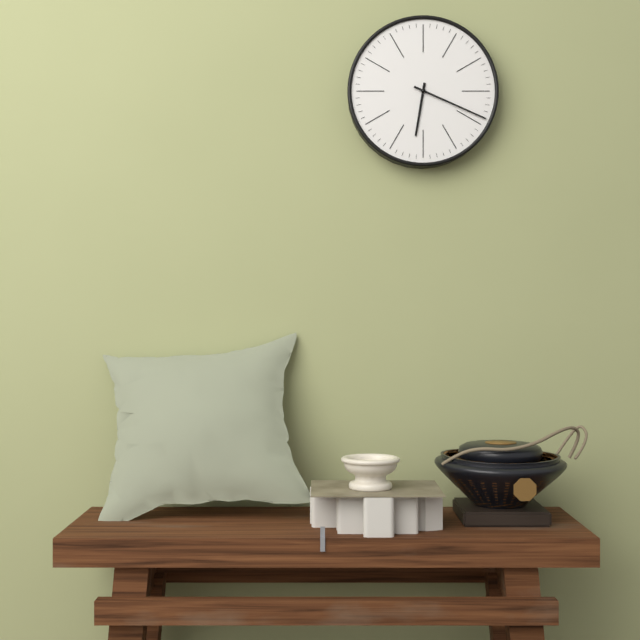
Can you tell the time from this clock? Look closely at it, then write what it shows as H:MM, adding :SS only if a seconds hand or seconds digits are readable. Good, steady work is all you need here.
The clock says 6:19
